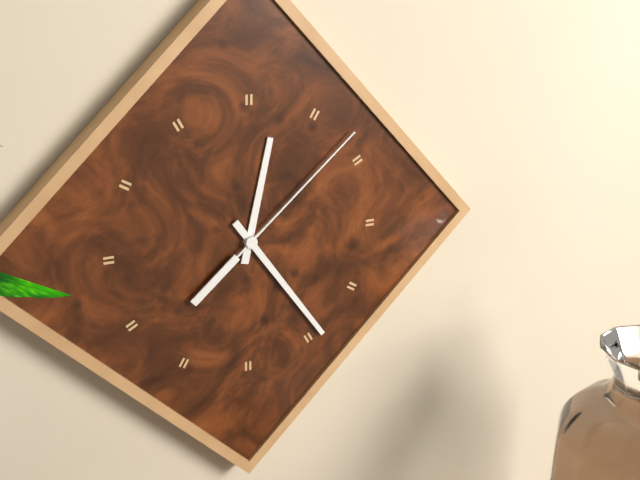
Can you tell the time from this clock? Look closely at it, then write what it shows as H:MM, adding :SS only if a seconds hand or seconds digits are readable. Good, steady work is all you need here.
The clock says 12:24:08
